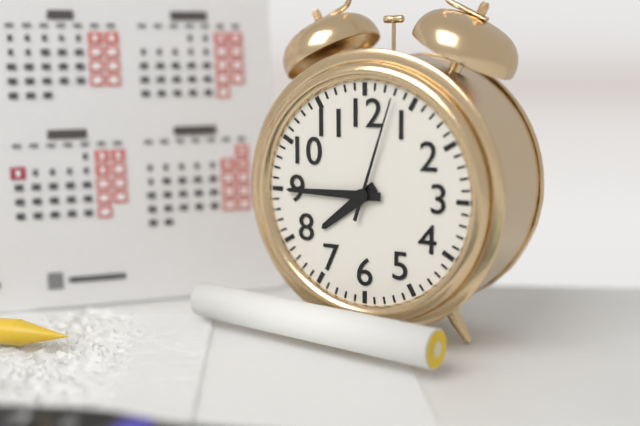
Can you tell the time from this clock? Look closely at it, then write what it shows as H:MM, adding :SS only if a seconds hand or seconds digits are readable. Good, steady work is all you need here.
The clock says 7:45:03
